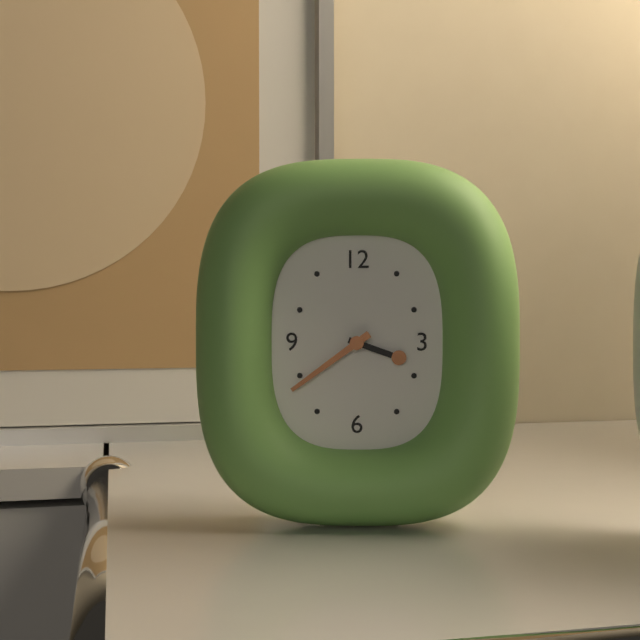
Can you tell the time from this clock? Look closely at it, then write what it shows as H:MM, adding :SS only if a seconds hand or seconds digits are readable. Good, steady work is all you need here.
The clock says 3:39
